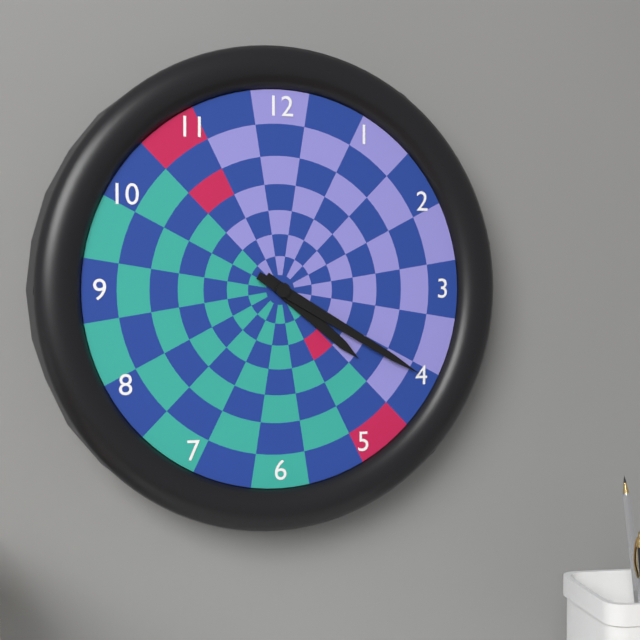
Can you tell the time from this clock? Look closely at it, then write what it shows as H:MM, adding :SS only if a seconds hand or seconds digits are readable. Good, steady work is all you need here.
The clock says 4:20
